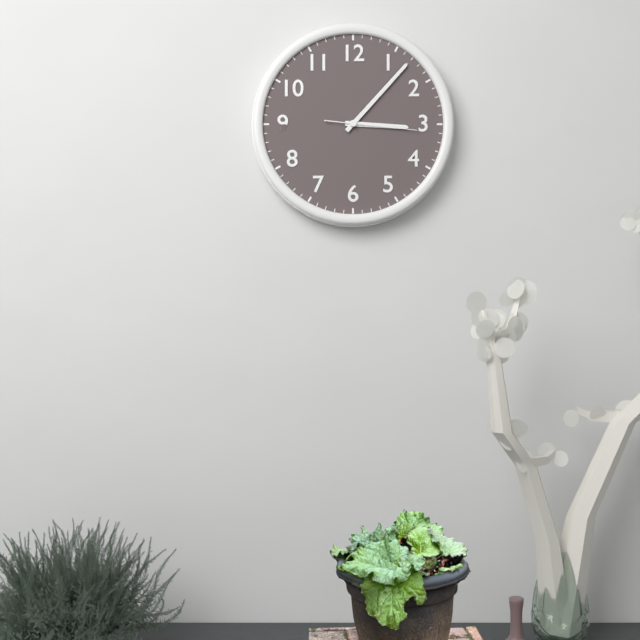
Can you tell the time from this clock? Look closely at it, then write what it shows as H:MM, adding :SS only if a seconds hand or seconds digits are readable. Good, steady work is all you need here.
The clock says 3:07:16
